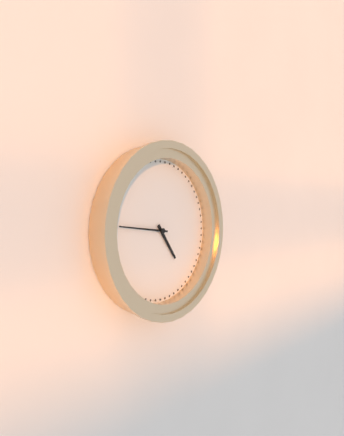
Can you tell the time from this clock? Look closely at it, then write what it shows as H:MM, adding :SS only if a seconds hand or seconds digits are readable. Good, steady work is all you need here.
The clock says 4:46
